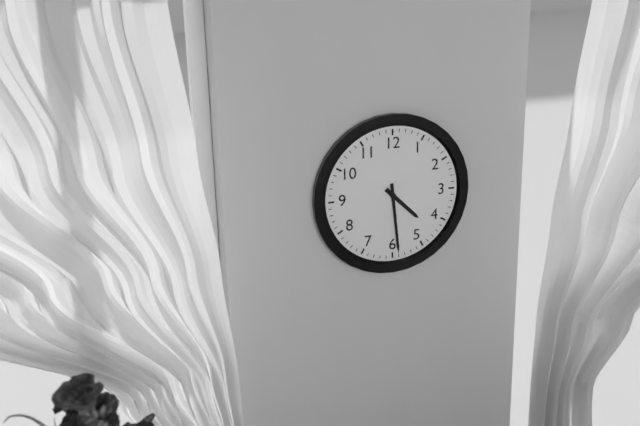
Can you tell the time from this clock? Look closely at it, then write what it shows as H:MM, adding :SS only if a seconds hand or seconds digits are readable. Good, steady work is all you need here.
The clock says 4:29
